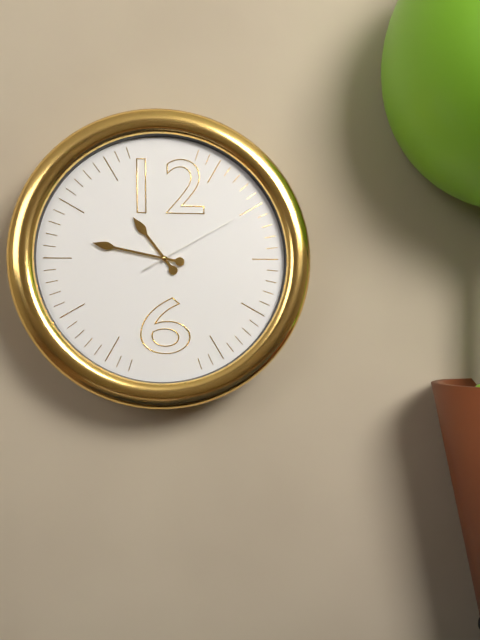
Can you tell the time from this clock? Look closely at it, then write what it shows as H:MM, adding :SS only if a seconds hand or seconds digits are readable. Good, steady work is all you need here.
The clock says 10:47:10
